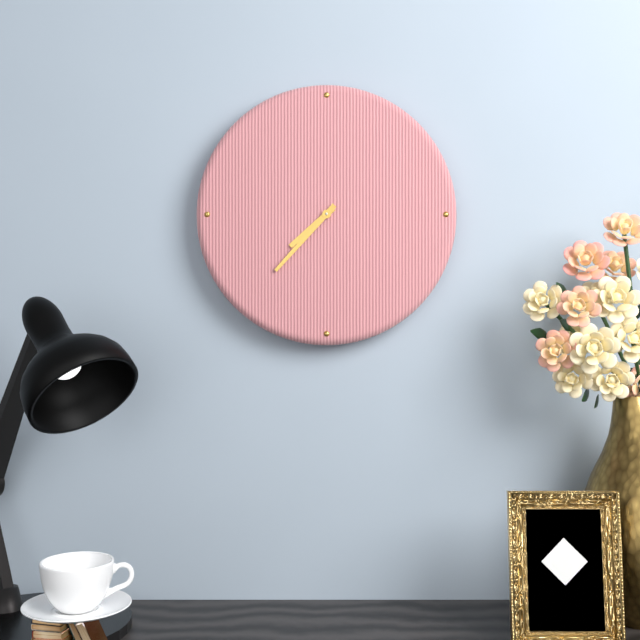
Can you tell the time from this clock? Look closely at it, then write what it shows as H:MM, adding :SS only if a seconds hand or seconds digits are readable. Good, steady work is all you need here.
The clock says 7:37
